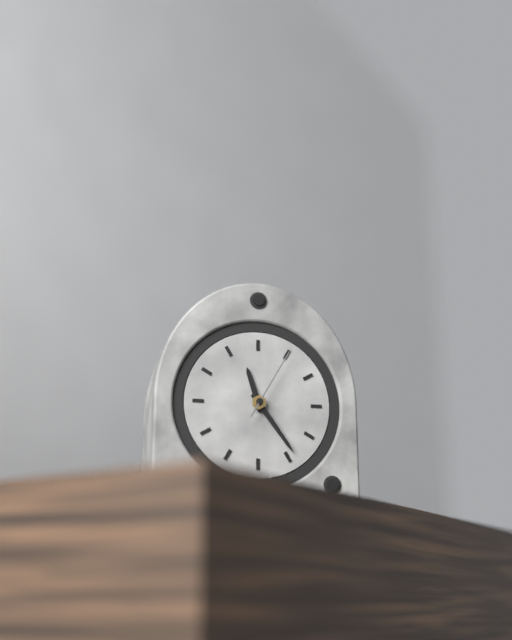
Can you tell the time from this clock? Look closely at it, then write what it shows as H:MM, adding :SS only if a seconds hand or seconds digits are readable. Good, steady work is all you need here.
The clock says 11:24:05
